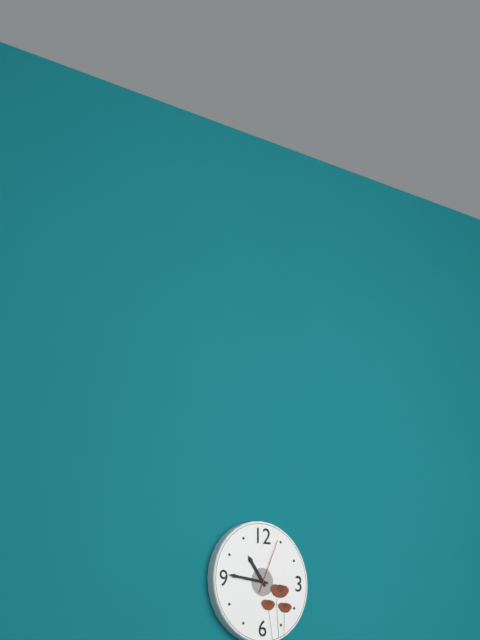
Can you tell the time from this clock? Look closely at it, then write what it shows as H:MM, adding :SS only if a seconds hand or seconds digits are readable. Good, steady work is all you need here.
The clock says 10:46:04
